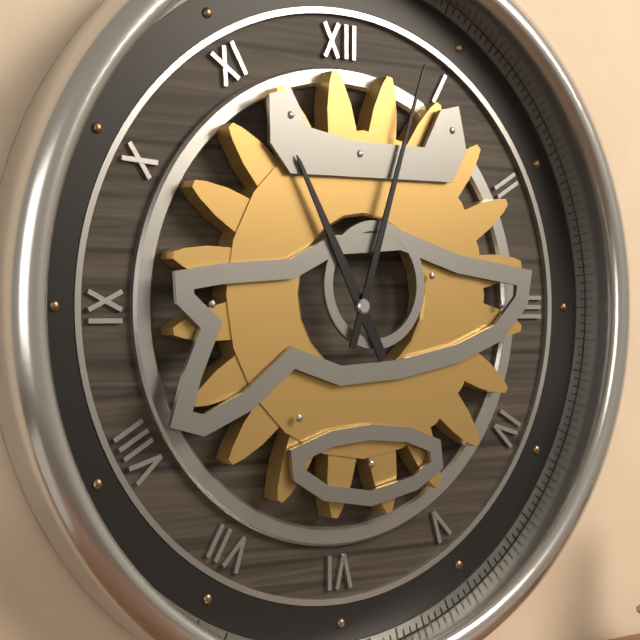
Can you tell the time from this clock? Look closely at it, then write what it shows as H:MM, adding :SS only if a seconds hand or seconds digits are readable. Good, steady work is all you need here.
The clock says 11:03
